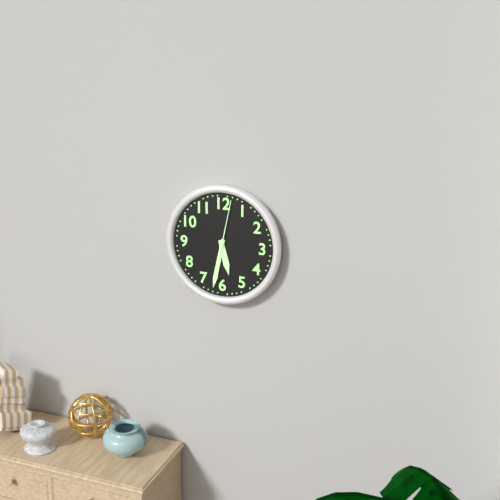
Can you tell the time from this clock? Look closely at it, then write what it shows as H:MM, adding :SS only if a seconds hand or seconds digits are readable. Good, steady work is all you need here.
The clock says 5:32:02
